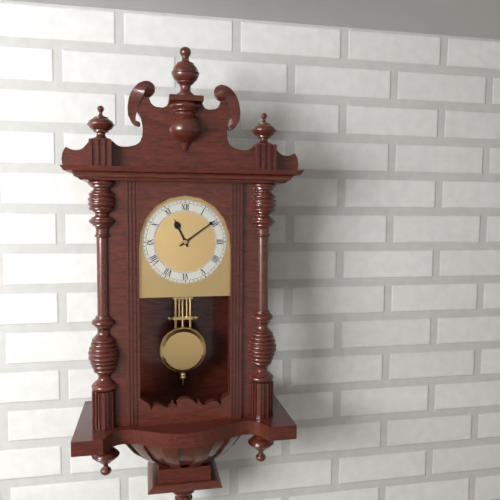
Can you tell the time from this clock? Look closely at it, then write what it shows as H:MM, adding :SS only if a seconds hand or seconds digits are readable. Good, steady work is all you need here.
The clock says 11:09
